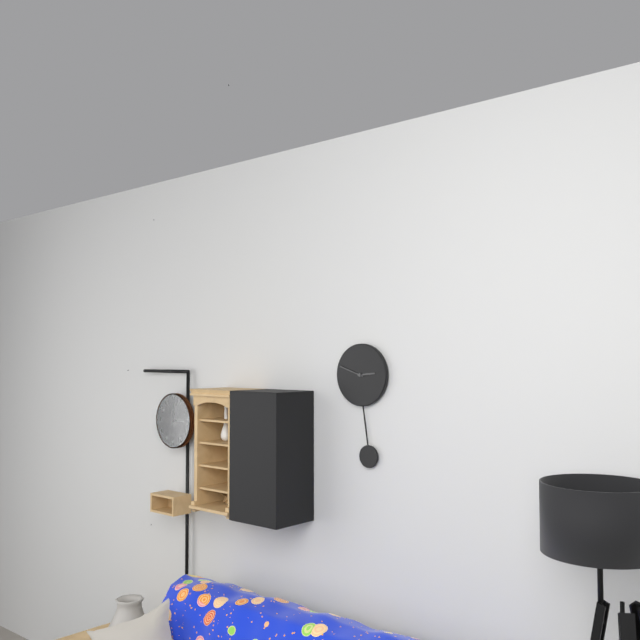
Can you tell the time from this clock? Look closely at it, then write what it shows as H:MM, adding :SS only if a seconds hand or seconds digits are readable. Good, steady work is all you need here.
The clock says 2:48
